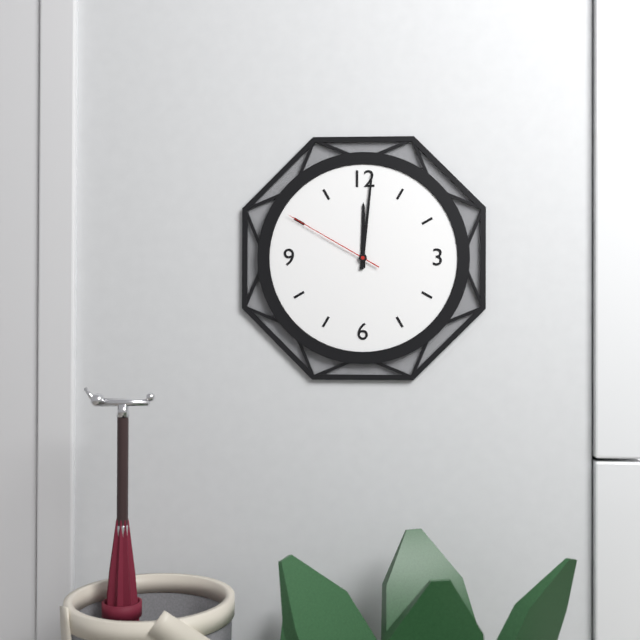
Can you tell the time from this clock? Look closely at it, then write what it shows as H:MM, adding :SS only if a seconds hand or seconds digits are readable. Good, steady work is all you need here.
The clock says 12:01:50
